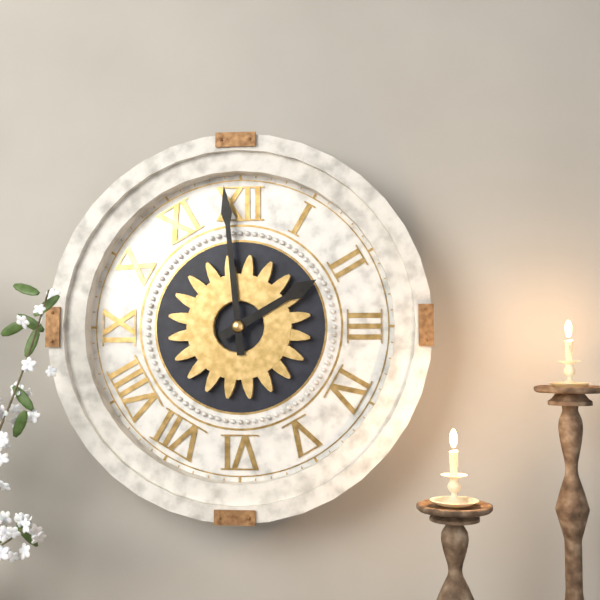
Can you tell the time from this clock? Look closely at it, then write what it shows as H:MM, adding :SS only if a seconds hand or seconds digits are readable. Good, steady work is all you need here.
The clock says 1:59
